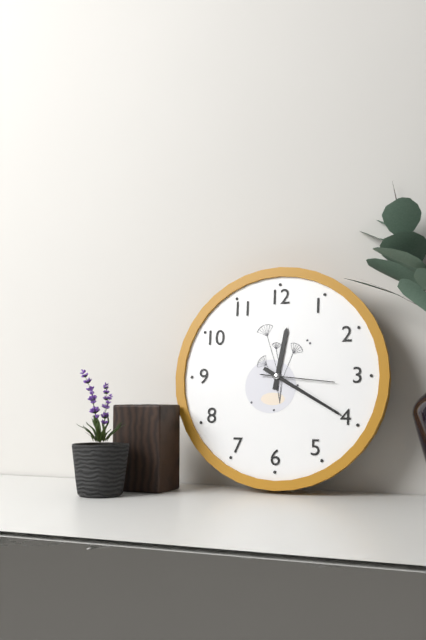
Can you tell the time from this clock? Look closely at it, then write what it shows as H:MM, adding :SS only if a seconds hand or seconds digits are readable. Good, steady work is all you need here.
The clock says 12:20:16
